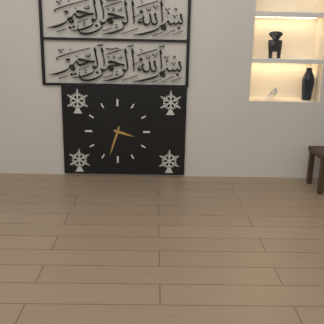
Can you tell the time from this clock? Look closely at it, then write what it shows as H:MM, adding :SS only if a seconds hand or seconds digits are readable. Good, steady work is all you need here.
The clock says 3:33
